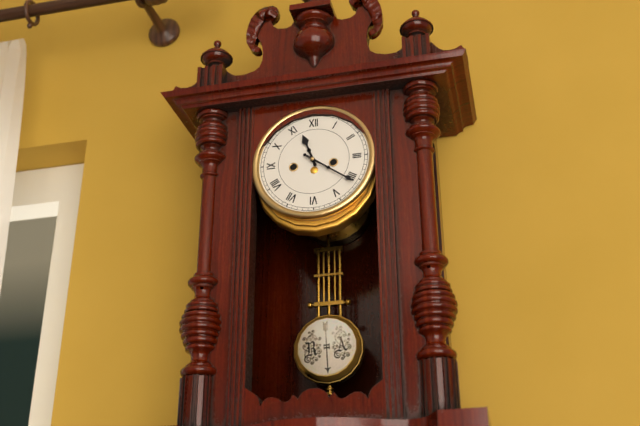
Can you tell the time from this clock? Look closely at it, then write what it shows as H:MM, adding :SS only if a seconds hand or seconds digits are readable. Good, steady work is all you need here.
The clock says 11:21
